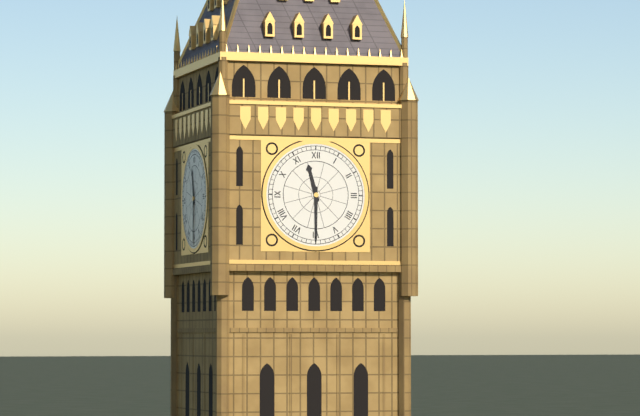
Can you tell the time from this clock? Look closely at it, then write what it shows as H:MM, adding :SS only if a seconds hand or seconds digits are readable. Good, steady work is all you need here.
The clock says 11:30
